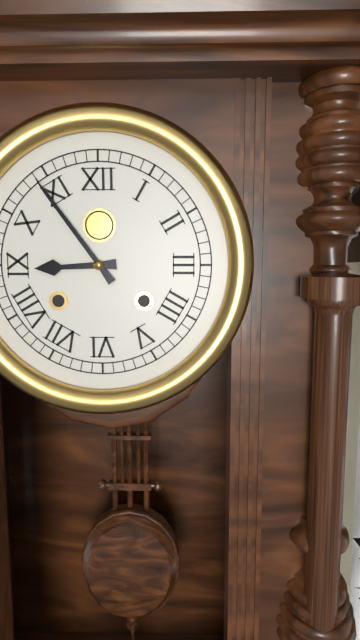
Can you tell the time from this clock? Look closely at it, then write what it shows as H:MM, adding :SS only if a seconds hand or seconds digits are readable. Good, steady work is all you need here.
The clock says 8:54
